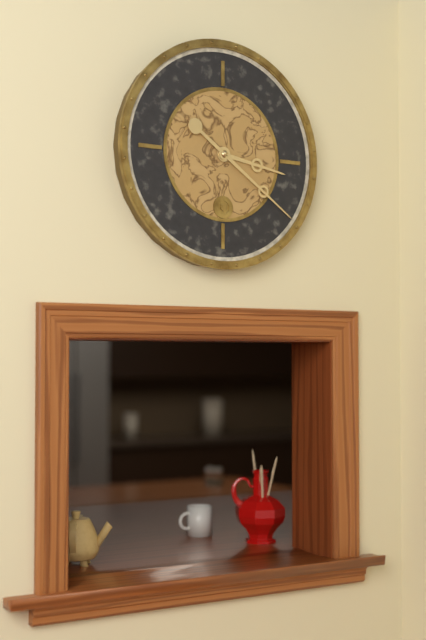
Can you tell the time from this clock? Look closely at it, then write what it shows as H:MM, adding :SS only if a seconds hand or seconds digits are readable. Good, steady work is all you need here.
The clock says 3:21
